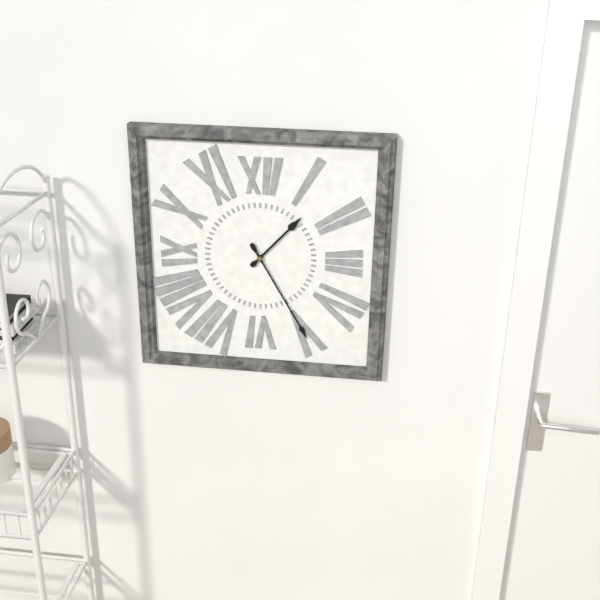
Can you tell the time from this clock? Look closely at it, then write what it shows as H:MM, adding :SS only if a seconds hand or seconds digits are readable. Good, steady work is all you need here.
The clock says 1:25
